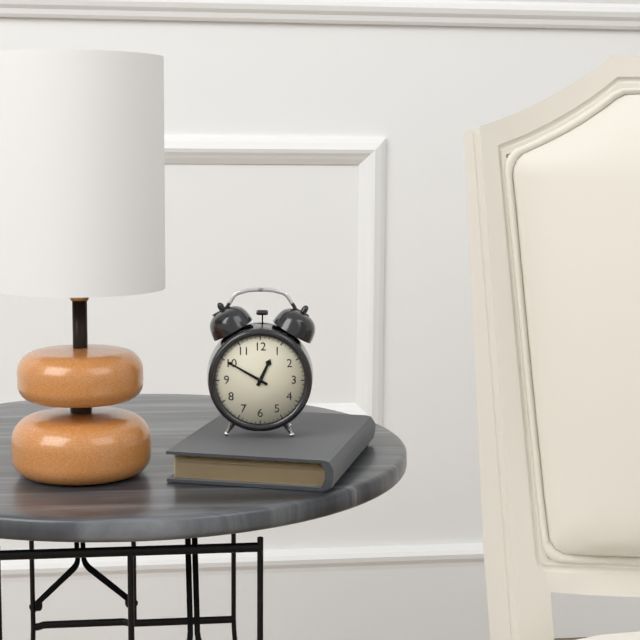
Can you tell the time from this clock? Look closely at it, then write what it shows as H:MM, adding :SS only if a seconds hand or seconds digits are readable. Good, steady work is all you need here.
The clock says 12:50
